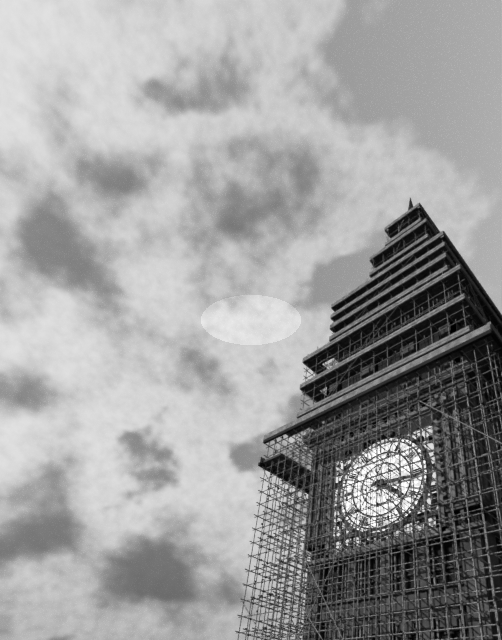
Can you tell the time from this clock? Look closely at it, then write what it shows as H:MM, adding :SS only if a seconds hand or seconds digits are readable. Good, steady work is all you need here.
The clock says 4:16
